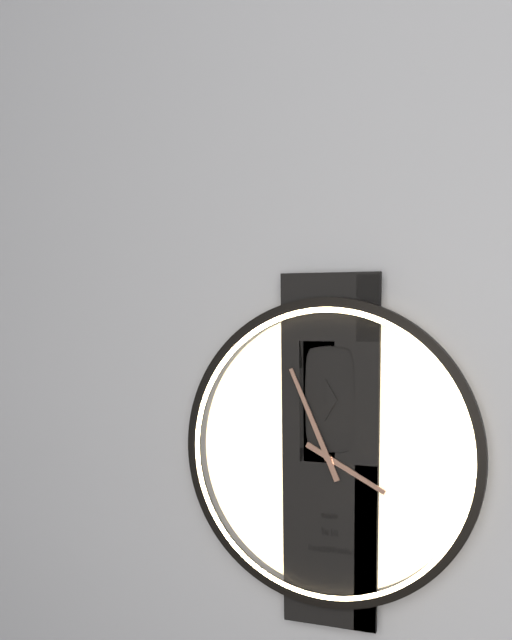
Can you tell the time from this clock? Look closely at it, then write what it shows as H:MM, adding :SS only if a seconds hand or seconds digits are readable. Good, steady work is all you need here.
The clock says 3:56
